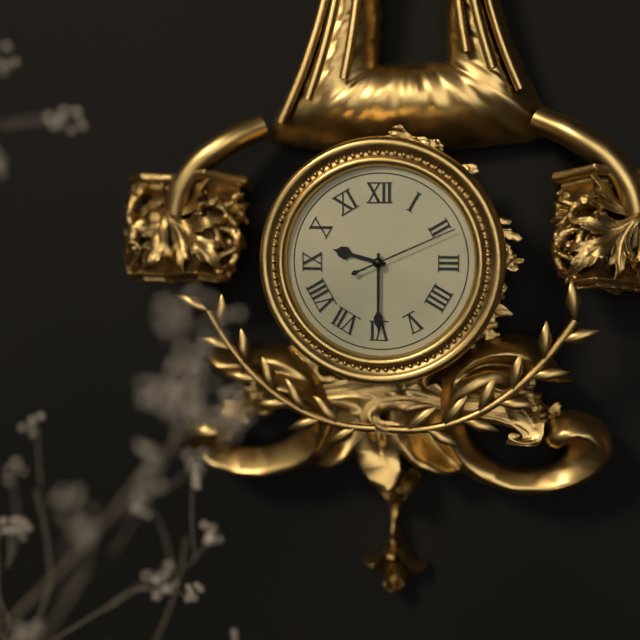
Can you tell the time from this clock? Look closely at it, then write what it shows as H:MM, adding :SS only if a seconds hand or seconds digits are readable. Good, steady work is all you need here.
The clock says 9:30:11
